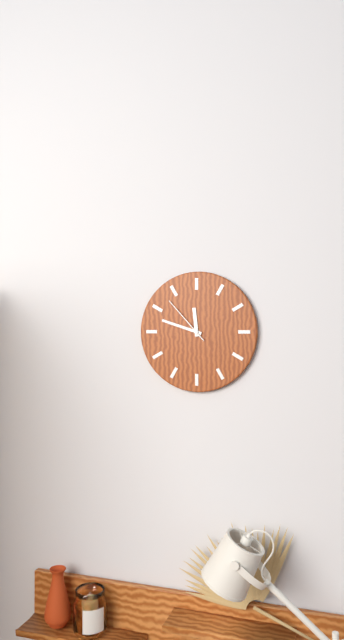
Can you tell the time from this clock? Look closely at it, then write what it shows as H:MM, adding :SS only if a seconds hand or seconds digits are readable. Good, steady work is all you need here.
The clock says 11:48:53
